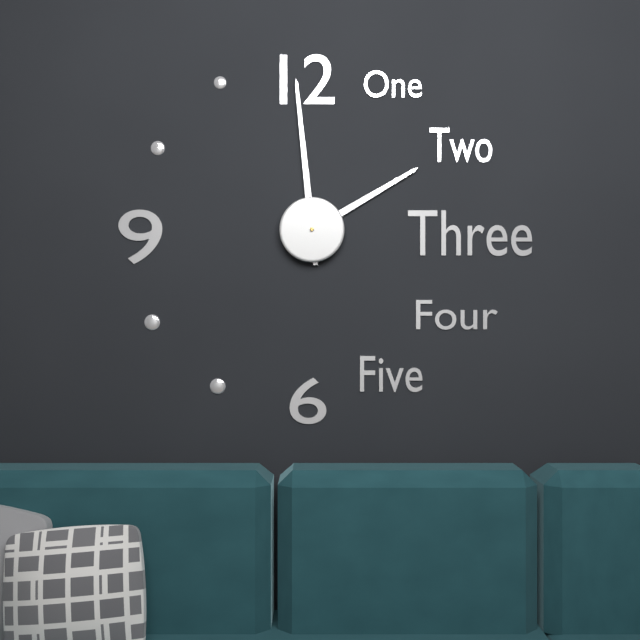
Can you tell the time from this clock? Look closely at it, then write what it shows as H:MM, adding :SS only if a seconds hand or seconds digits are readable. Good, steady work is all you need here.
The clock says 1:59
